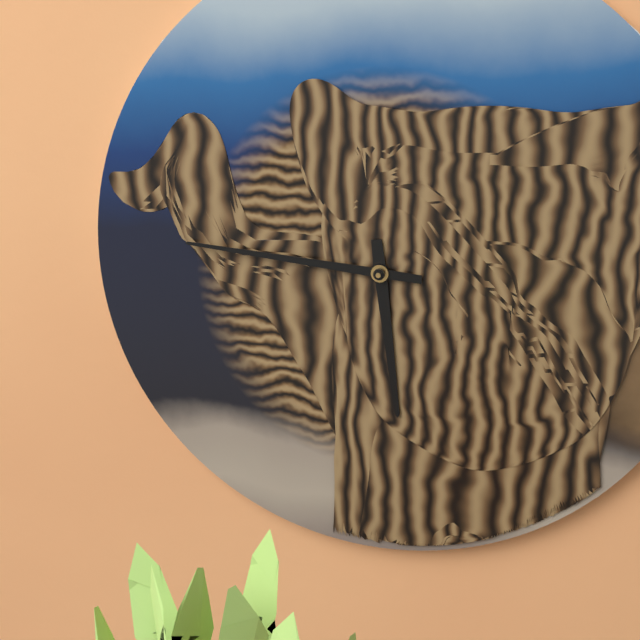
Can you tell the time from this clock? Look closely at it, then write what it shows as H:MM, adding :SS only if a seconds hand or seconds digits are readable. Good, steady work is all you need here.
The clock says 5:46
